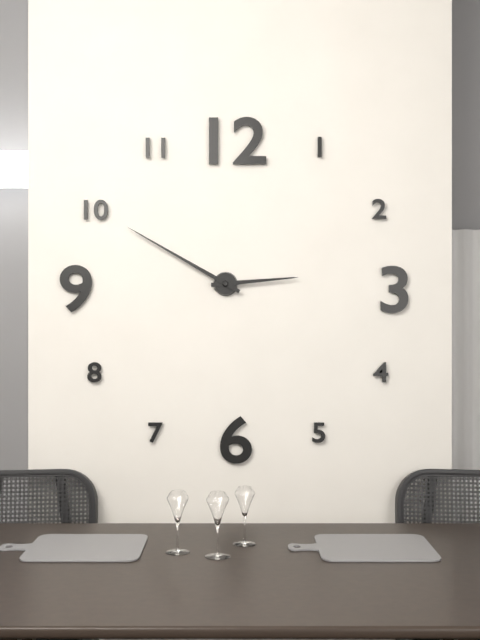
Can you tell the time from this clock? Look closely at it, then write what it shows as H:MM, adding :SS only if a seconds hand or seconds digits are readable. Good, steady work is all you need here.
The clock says 2:50
